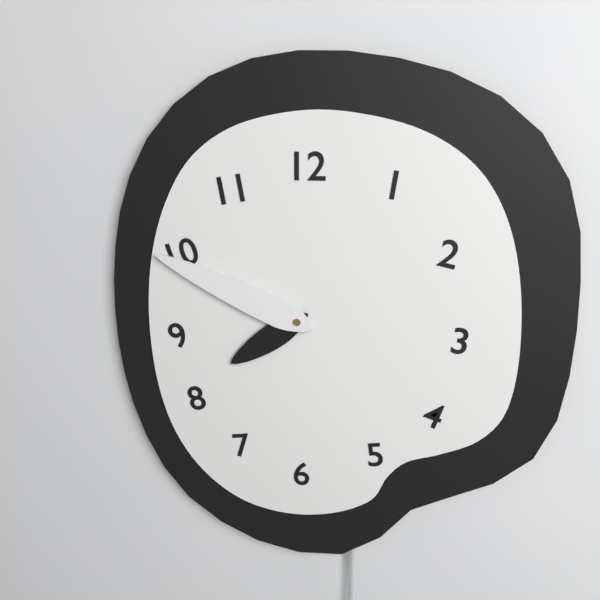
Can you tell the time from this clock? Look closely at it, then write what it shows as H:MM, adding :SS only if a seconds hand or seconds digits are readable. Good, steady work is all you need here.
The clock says 7:49
